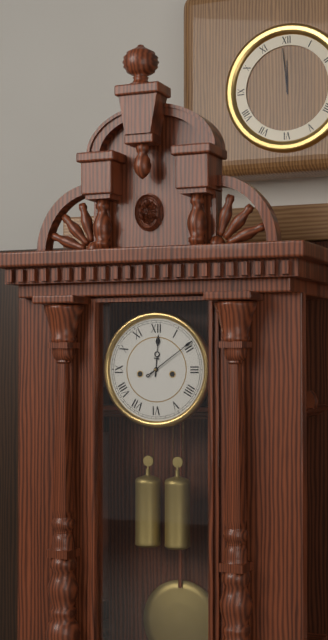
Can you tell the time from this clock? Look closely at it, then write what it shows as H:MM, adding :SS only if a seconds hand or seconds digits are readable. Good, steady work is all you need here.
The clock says 12:09
